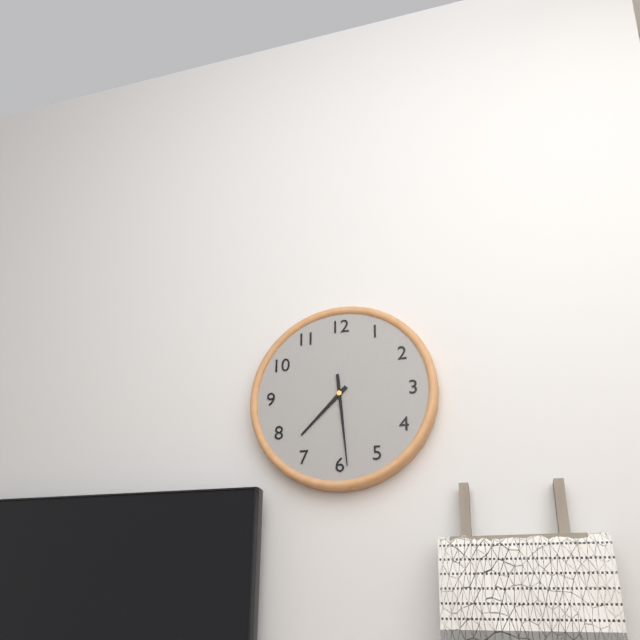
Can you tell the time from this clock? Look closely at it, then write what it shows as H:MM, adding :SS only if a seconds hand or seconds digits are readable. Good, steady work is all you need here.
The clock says 7:29
